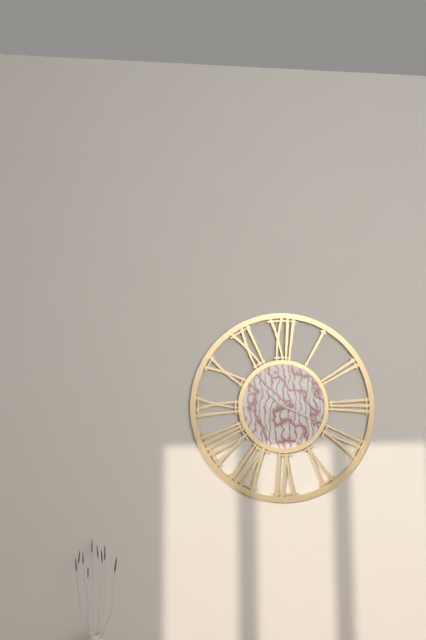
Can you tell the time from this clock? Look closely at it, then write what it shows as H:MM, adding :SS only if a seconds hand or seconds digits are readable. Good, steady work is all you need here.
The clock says 10:19
